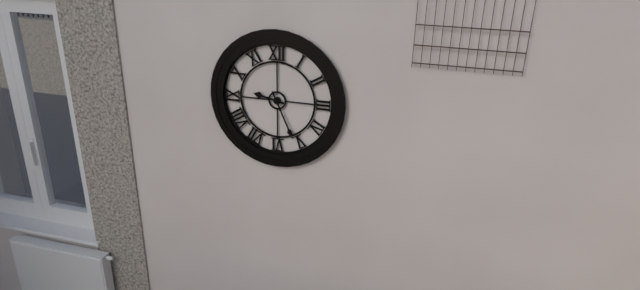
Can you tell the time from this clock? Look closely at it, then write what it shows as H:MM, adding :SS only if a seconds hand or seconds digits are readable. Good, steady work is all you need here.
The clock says 9:26
